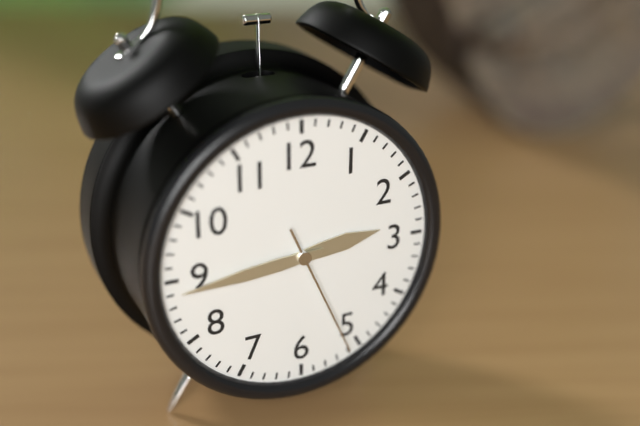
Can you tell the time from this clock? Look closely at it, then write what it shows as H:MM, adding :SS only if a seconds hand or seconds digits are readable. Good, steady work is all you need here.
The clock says 2:44:26
